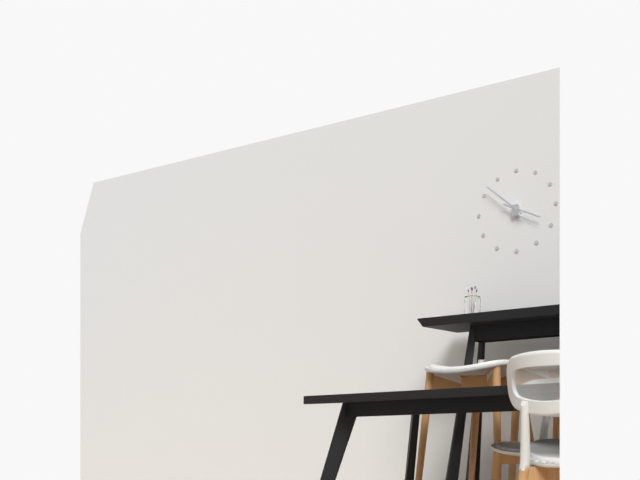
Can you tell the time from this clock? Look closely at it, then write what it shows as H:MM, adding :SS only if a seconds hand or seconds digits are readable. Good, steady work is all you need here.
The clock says 3:52
